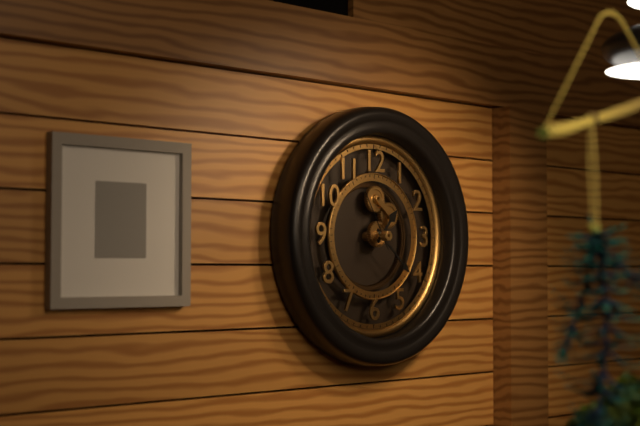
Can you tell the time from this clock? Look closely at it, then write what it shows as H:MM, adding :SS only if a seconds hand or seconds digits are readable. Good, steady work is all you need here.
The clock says 1:22:55
